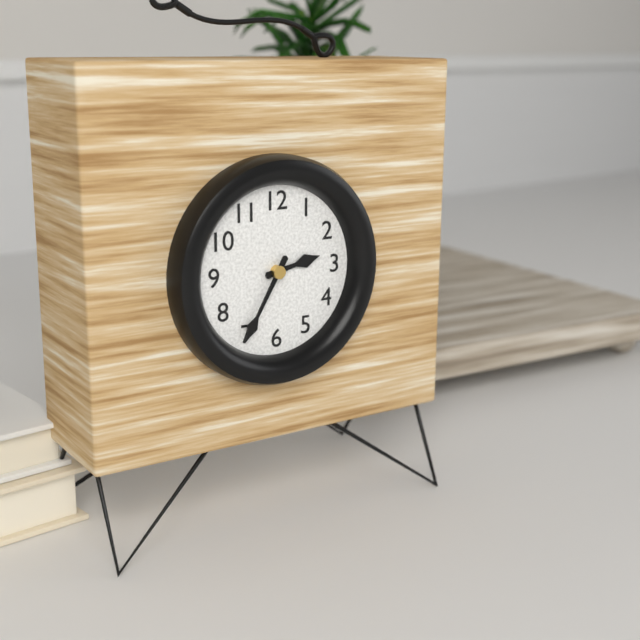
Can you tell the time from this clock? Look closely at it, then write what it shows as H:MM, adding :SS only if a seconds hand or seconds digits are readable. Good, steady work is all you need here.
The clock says 2:35
